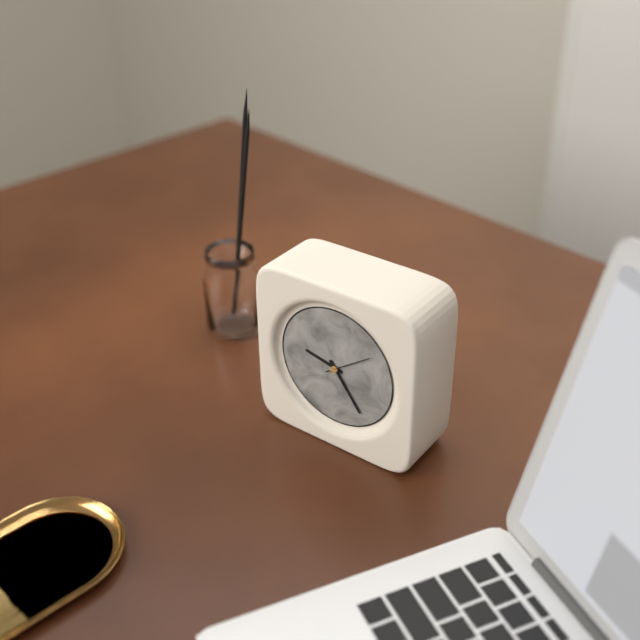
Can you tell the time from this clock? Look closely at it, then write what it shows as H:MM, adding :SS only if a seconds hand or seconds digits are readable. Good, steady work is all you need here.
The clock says 9:24
